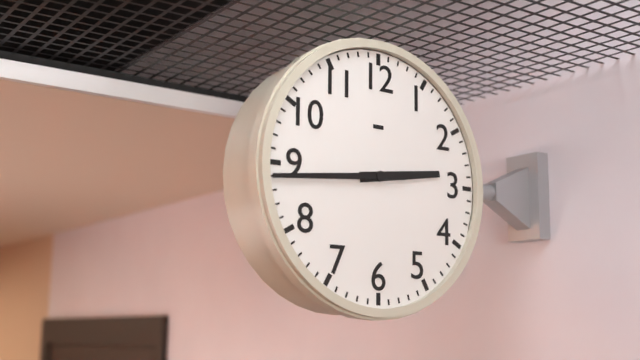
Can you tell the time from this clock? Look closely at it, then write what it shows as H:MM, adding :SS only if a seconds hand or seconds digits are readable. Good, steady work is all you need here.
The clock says 2:44
